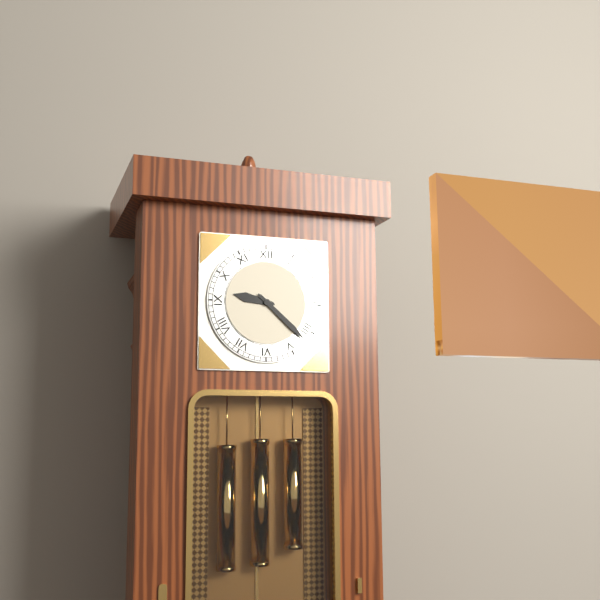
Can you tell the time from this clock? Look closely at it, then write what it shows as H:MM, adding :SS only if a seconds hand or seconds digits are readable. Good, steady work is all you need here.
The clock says 9:22
